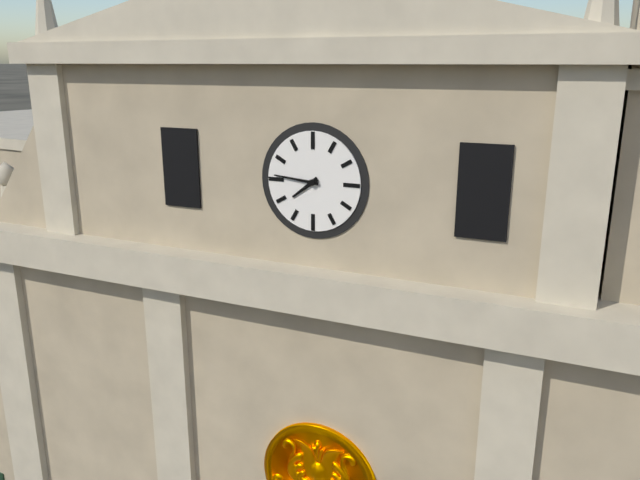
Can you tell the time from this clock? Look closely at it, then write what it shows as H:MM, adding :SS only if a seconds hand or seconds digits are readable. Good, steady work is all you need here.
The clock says 7:46
